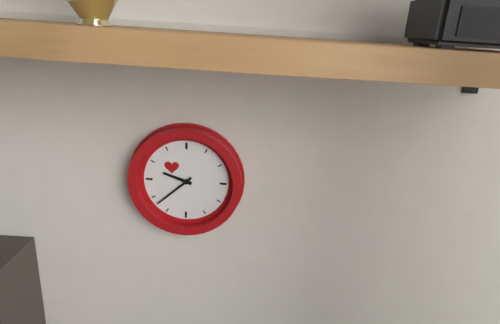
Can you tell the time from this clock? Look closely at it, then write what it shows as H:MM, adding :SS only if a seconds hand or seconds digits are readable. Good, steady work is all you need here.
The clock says 9:38
